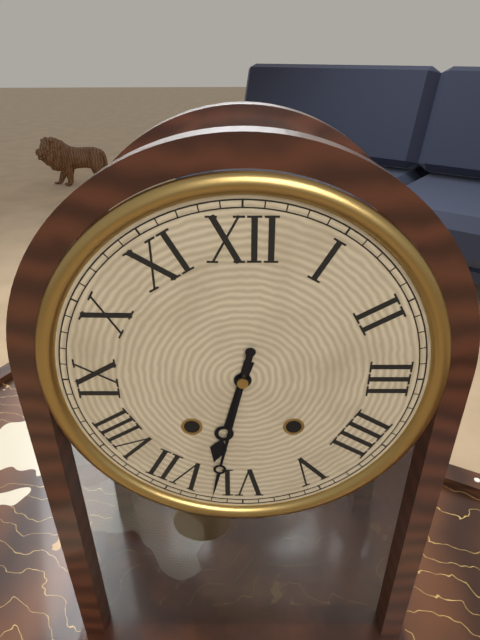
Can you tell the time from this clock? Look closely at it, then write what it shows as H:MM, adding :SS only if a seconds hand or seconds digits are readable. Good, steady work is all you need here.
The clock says 6:32
